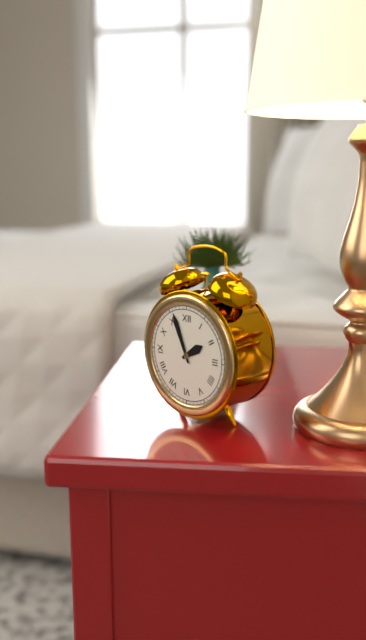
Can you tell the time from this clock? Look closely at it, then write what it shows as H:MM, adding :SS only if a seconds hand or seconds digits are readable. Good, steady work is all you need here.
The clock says 1:56
